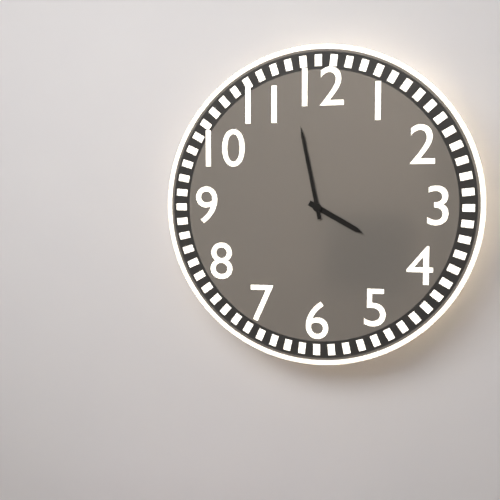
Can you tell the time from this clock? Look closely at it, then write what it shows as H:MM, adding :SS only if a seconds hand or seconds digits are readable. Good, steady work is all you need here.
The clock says 3:58
